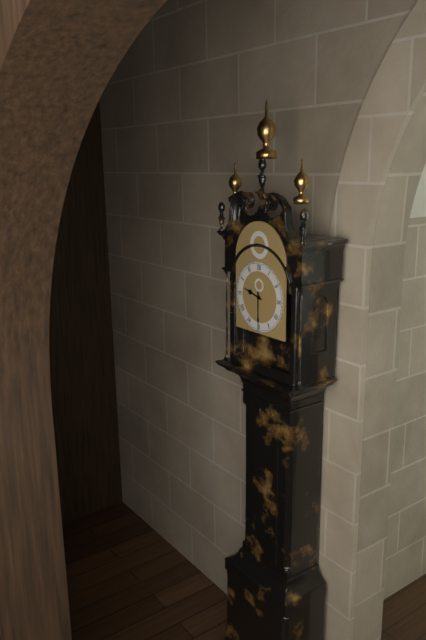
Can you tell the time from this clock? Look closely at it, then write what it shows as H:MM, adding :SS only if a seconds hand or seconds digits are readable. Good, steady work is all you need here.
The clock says 9:30
